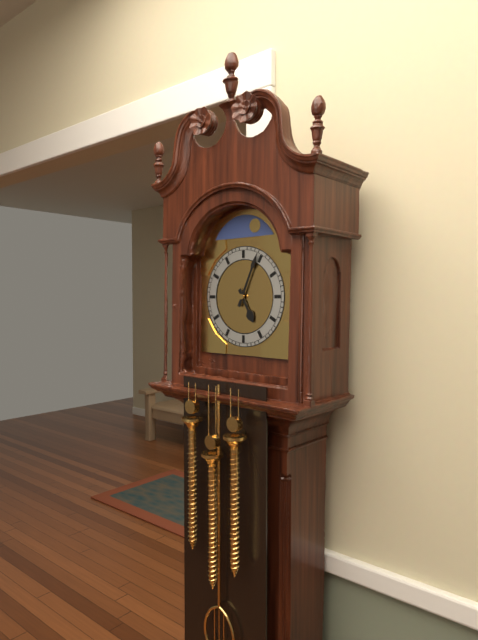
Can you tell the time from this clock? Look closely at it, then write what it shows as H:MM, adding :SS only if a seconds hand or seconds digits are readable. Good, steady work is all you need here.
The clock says 5:04
